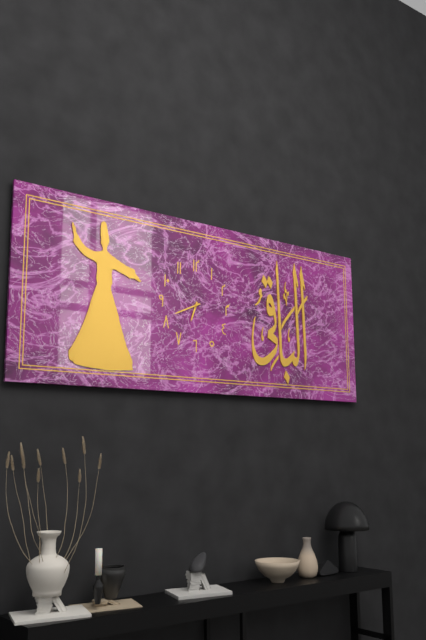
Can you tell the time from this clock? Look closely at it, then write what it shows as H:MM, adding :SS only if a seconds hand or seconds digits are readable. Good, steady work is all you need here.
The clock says 6:41
